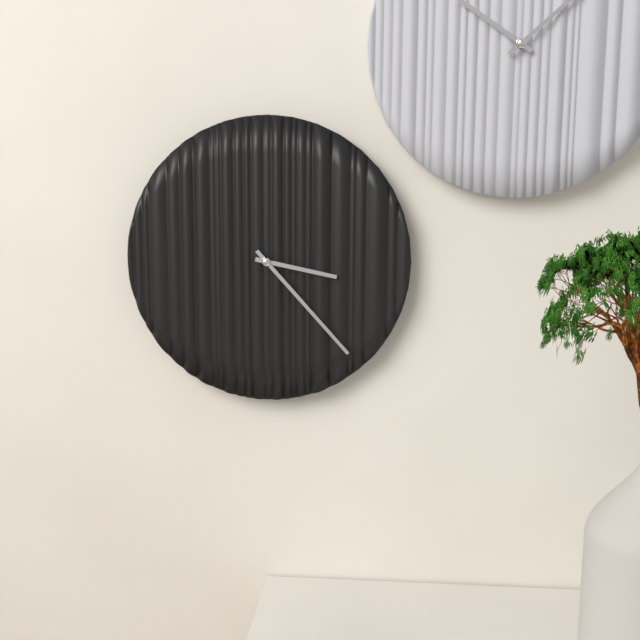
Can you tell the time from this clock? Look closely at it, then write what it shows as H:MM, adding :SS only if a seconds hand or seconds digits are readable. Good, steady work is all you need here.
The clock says 3:23
